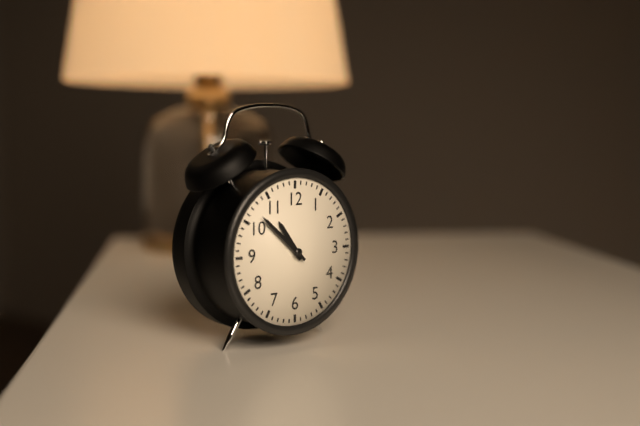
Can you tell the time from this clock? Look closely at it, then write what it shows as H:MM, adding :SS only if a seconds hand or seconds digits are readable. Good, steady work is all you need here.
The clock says 10:52
